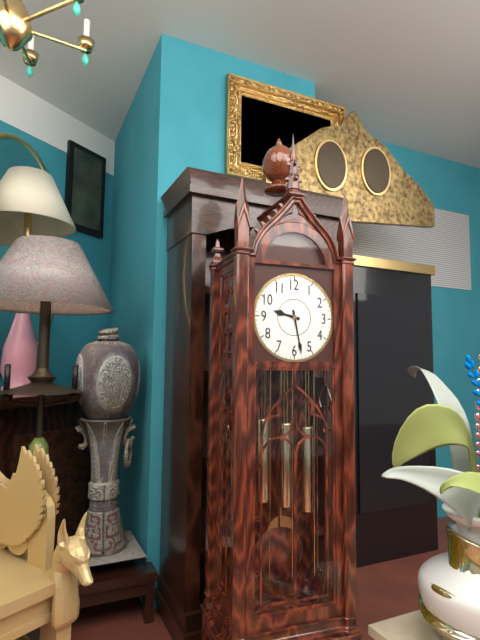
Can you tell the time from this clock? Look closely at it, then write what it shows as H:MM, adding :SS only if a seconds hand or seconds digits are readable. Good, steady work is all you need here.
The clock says 9:28
